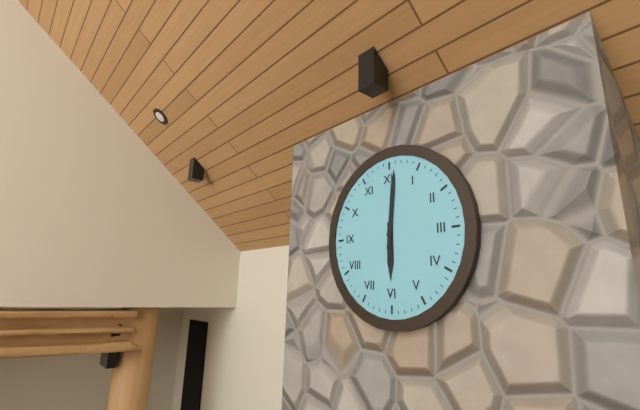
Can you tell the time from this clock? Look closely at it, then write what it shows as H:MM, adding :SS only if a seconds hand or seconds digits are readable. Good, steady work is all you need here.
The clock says 6:01
